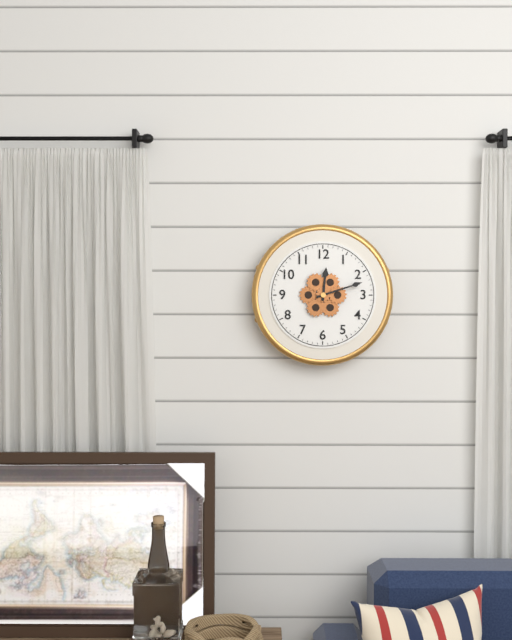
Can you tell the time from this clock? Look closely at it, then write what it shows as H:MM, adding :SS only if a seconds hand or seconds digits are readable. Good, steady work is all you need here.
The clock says 12:12
